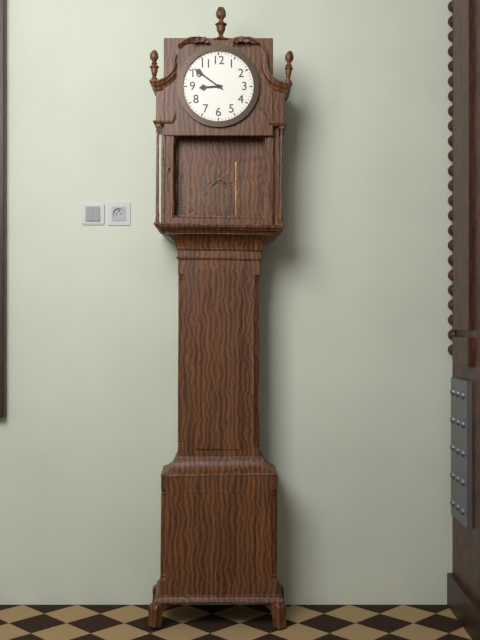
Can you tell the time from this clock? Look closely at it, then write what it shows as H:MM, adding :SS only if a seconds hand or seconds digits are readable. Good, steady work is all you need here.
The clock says 8:51
